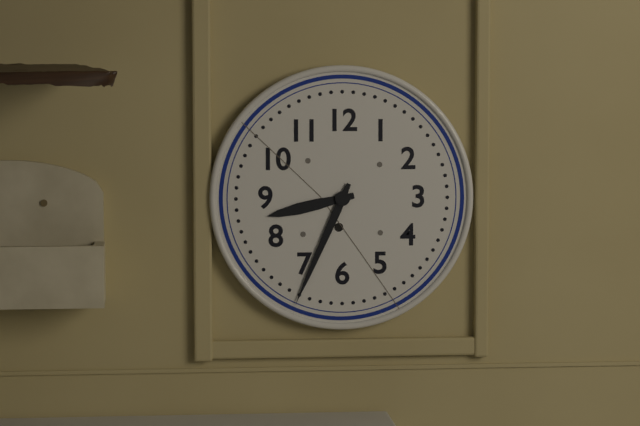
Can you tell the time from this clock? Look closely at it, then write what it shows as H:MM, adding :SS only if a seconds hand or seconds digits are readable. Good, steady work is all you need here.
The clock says 8:34
